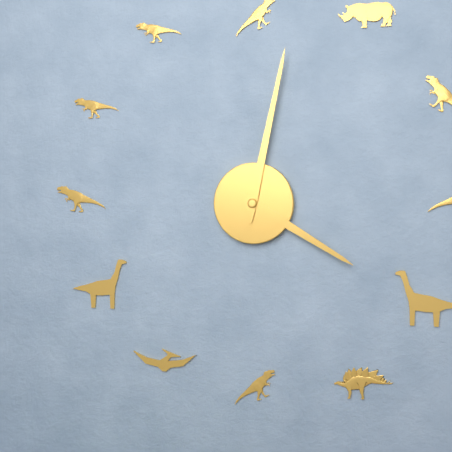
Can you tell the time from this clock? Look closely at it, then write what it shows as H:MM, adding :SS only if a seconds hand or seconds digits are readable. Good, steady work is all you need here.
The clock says 4:02
